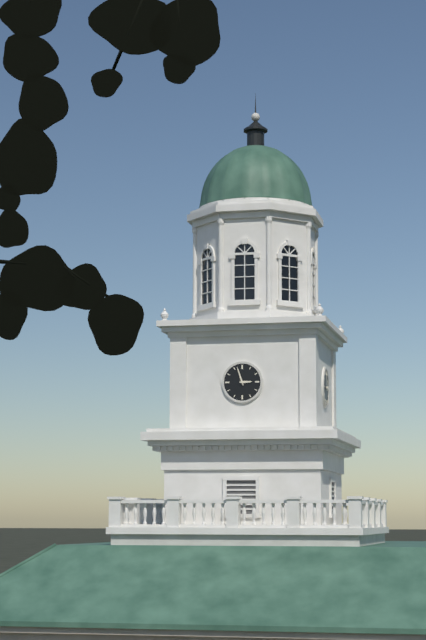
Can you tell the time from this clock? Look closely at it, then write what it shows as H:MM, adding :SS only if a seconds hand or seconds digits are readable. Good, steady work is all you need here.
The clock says 2:57
